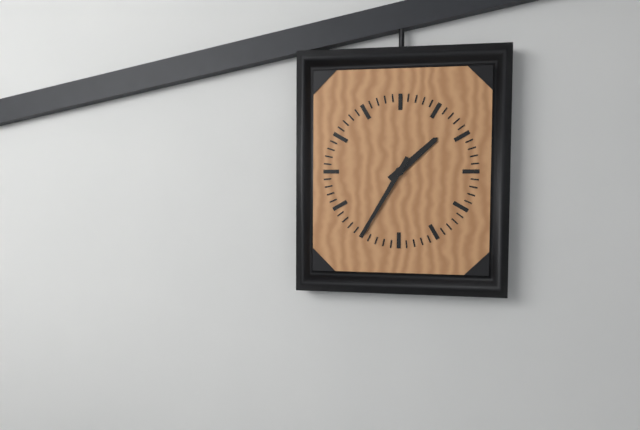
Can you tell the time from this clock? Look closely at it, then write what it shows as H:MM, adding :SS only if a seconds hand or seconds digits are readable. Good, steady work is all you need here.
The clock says 1:35
